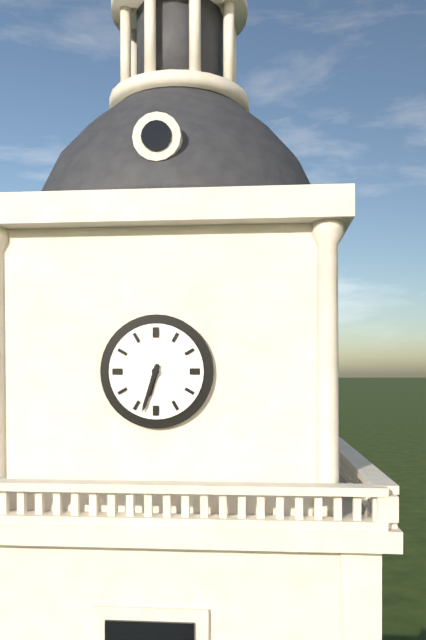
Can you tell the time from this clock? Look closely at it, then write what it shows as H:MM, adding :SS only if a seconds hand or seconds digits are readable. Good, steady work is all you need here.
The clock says 6:33
